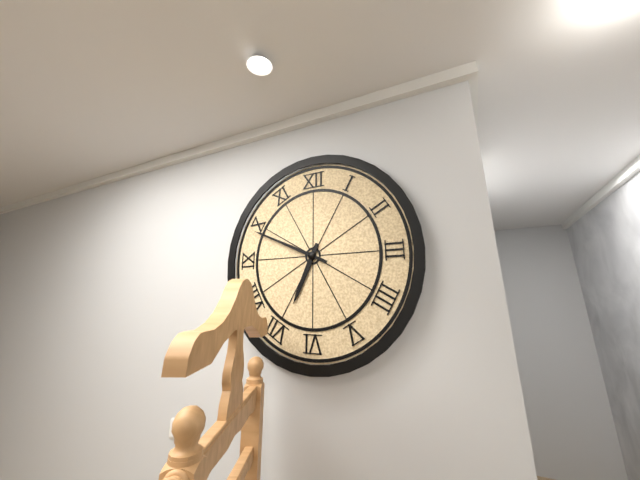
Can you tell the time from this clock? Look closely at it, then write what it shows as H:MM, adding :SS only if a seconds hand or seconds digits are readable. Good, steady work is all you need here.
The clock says 6:49
